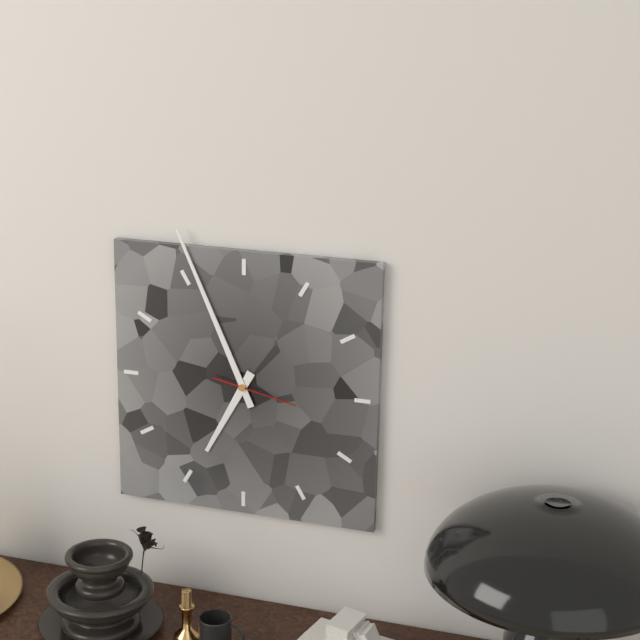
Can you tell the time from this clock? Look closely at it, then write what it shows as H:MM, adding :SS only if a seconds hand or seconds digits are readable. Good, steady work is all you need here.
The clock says 6:56:17
